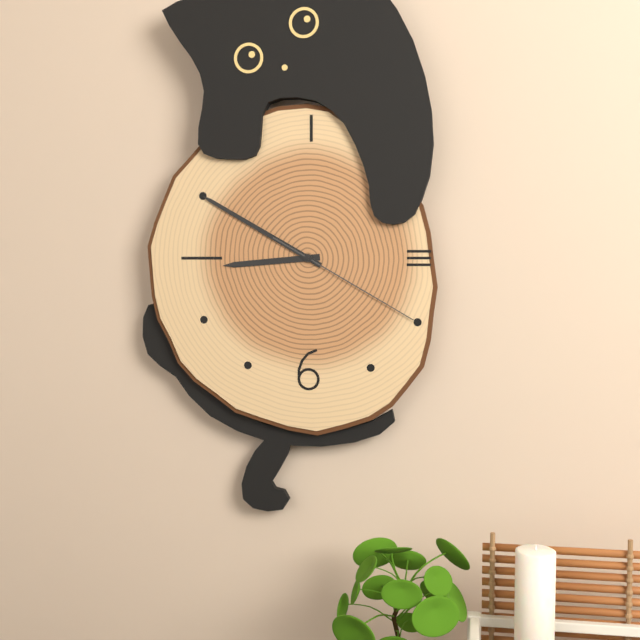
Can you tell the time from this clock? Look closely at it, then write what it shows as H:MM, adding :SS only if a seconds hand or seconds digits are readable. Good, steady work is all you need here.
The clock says 8:50:20
